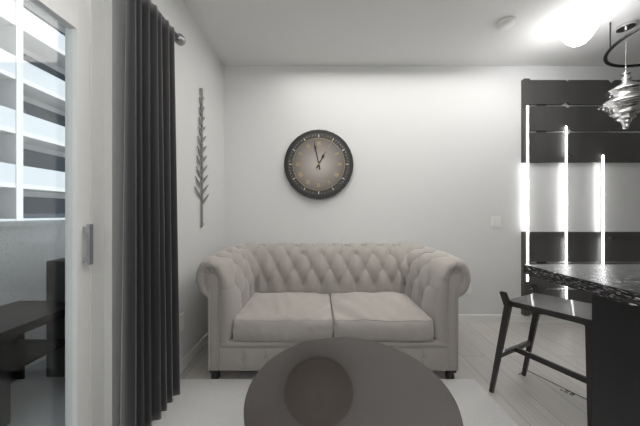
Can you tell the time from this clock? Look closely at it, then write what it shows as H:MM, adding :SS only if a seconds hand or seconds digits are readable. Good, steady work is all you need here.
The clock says 12:58
